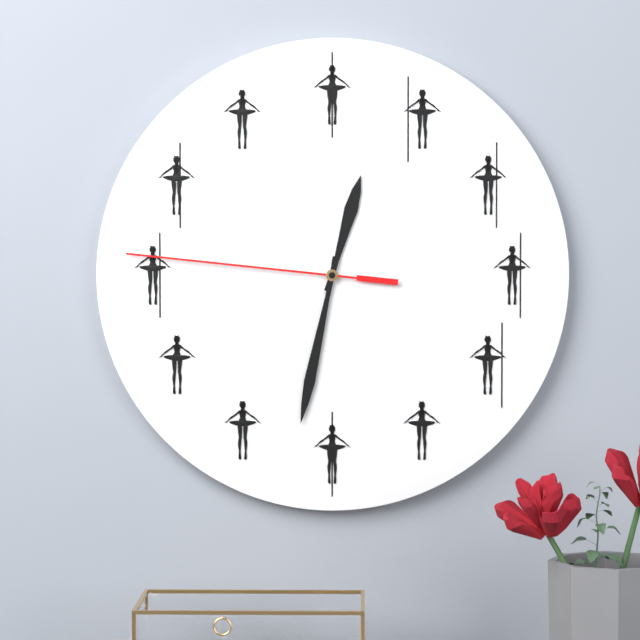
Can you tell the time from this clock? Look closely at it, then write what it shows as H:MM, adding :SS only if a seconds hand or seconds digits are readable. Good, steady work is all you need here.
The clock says 12:32:46
